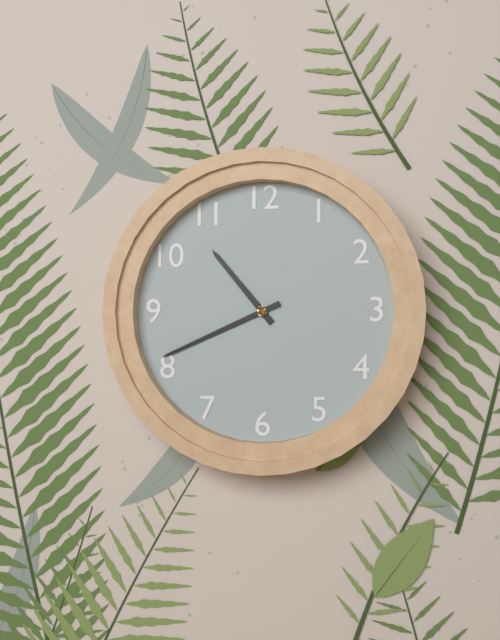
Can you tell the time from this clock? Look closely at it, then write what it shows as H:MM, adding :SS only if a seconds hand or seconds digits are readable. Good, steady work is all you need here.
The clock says 10:41
